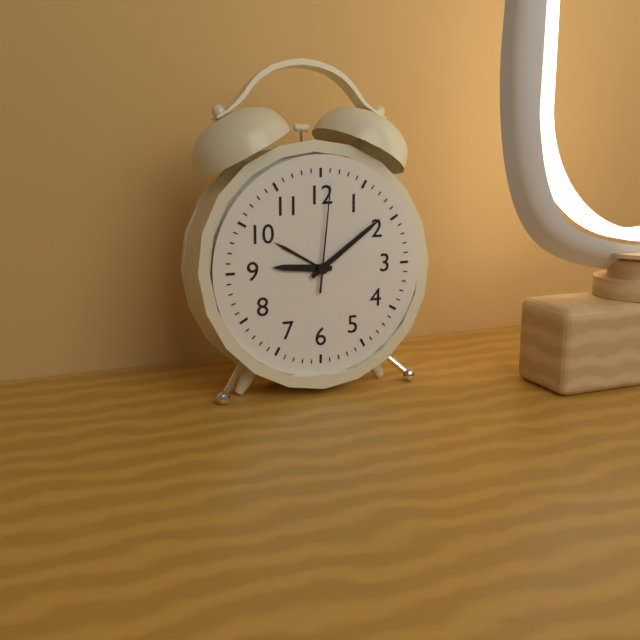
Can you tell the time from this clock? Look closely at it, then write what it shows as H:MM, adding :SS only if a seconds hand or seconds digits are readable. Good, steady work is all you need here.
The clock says 9:09:01
